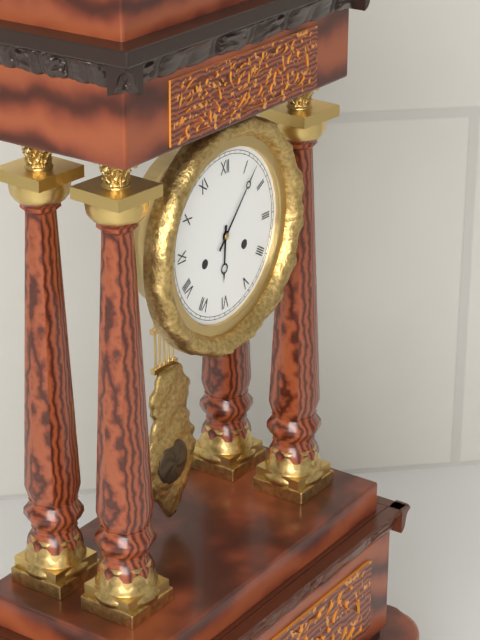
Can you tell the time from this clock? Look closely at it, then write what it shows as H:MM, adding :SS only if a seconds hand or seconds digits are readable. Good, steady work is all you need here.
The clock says 6:07
